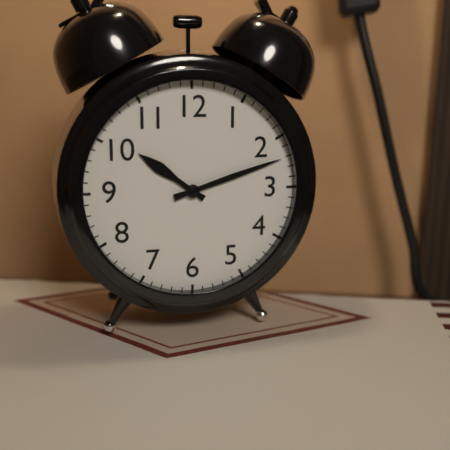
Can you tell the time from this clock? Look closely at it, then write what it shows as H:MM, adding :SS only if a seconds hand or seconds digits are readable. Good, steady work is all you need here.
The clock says 10:12
